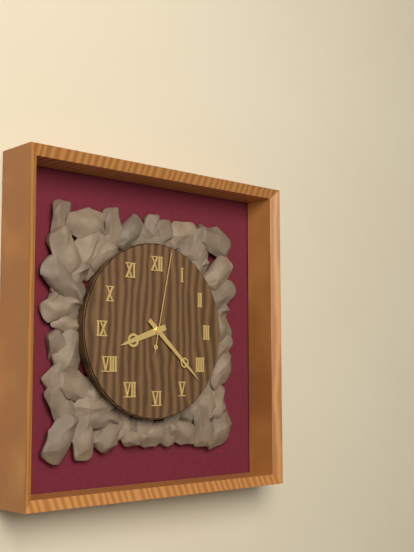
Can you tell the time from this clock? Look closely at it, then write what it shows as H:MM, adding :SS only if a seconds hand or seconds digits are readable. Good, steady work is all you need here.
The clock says 8:22:02
